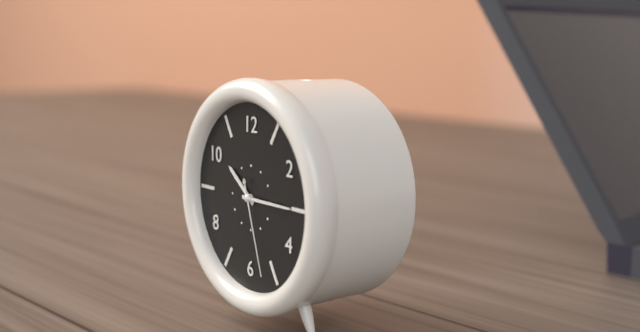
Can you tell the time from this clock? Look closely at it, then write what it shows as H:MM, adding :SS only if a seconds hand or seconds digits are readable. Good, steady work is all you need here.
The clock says 10:15:27
